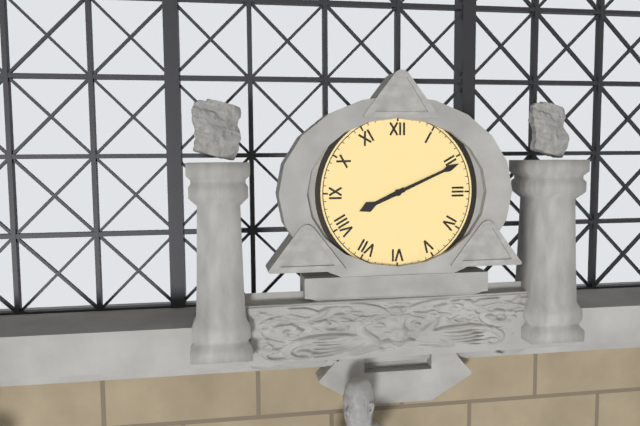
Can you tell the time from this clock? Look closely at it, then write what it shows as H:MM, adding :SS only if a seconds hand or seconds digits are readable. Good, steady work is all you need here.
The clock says 8:11
